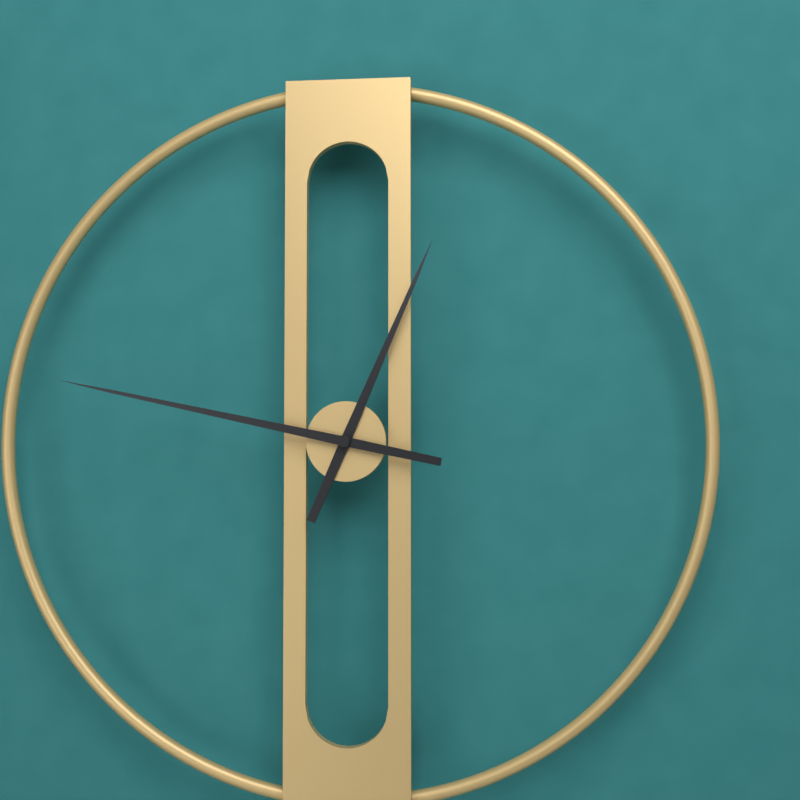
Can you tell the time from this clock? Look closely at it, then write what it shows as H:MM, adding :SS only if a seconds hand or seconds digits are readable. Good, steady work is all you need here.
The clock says 12:47
